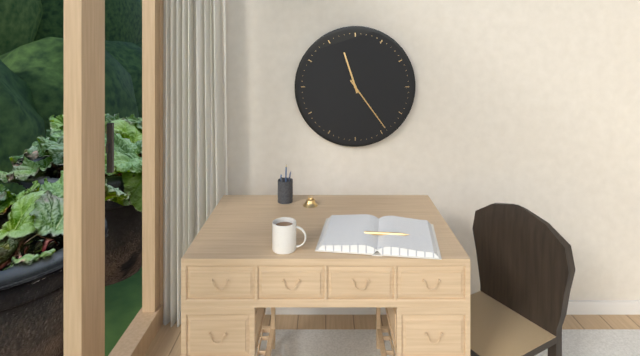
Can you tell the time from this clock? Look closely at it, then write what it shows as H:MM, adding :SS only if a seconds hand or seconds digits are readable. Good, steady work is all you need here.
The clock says 11:24
